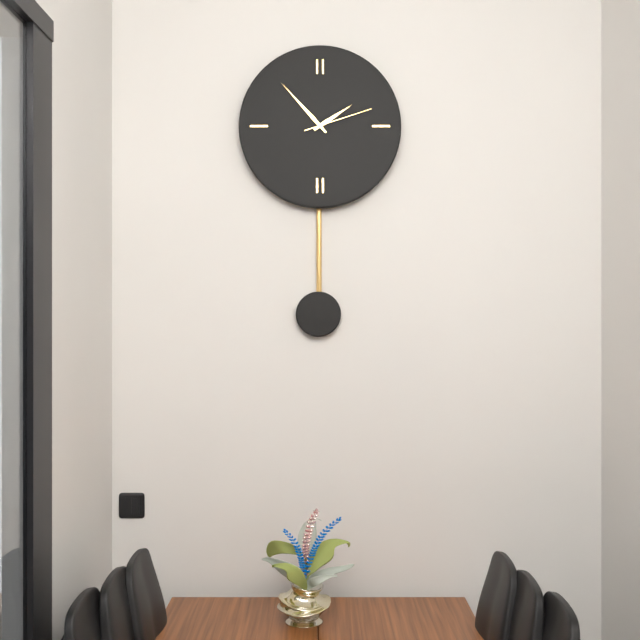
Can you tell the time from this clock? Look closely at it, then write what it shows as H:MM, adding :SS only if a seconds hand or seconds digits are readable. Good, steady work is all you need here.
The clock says 1:53:12
